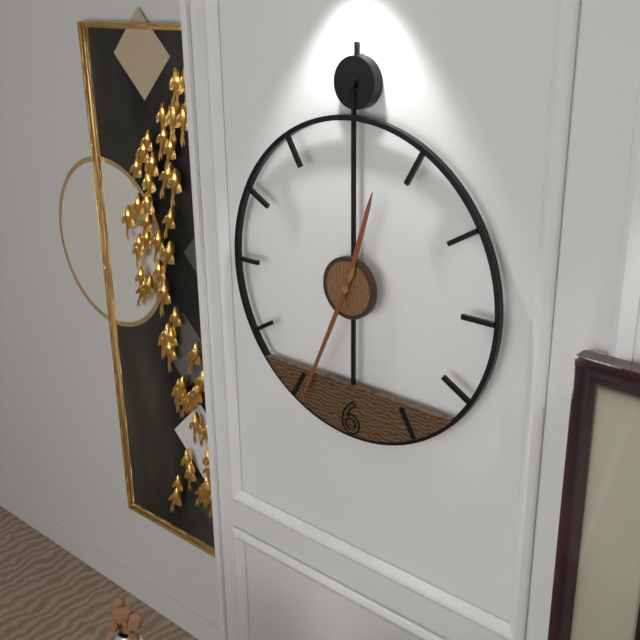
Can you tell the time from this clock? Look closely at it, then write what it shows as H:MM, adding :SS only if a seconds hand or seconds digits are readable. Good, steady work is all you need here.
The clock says 12:34
